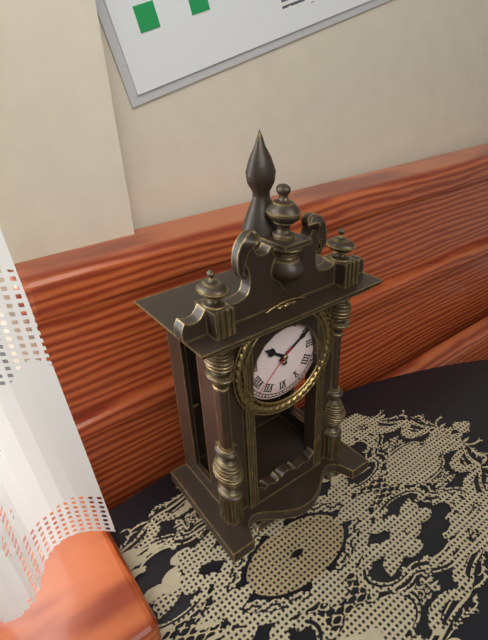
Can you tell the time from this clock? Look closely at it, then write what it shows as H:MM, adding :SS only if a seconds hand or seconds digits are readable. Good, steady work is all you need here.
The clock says 10:10:38
